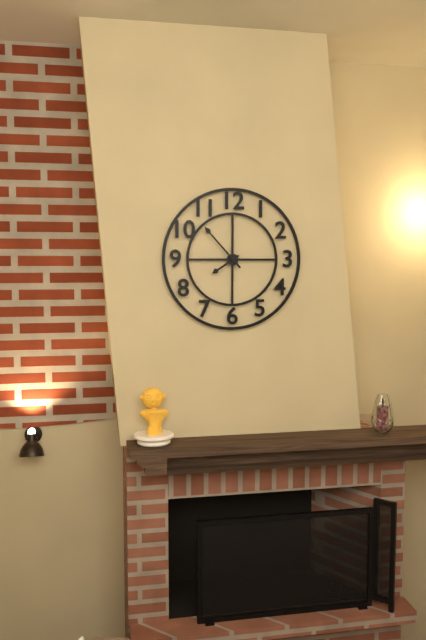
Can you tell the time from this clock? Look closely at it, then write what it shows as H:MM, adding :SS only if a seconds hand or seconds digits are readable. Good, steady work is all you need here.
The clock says 7:53
